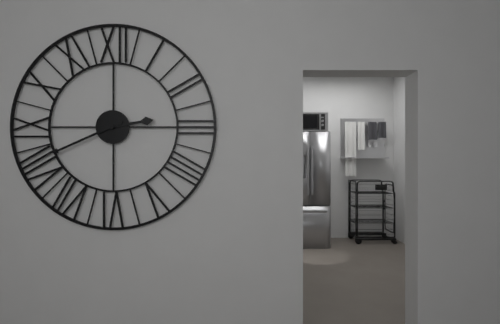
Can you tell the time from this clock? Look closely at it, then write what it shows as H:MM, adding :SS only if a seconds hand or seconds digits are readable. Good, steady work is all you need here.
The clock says 2:41
